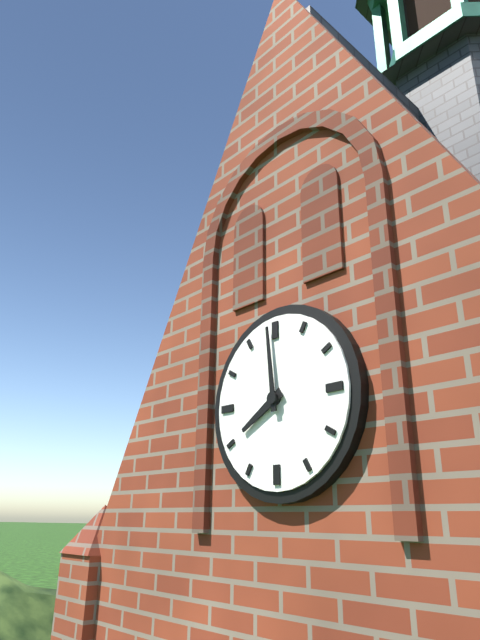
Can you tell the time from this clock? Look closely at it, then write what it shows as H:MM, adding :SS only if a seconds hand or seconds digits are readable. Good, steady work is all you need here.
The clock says 7:59
